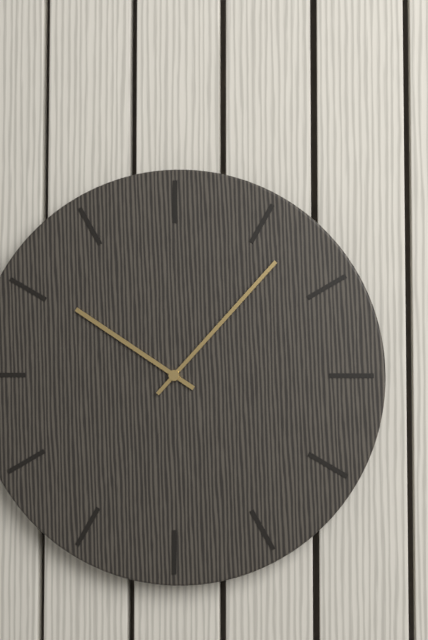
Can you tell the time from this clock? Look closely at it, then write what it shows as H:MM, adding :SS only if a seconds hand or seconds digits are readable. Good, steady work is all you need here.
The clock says 10:07
